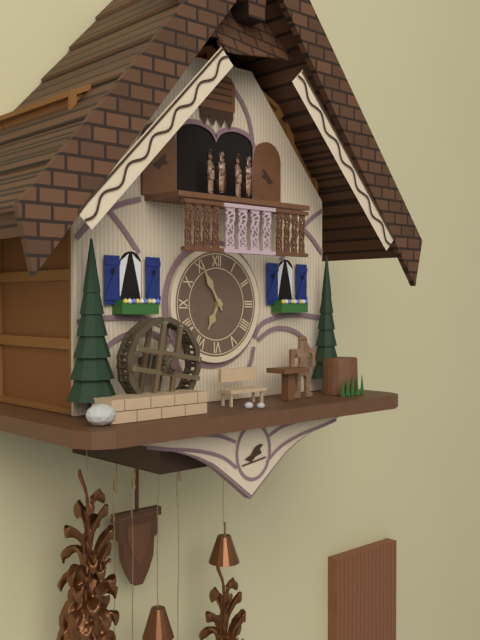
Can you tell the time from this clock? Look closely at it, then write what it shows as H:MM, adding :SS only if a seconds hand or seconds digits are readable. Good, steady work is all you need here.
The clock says 6:55
